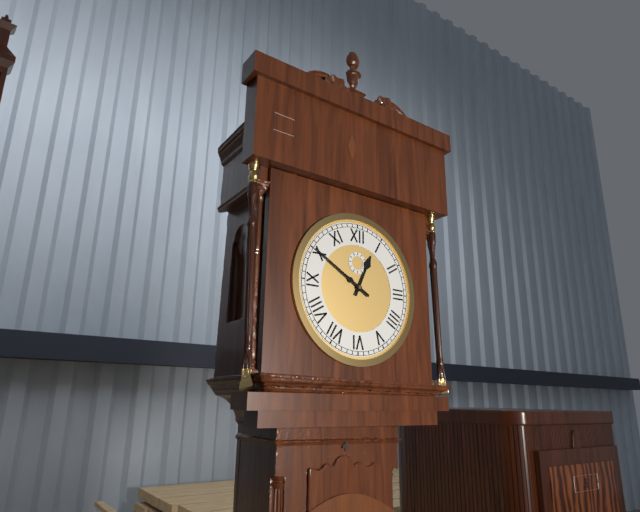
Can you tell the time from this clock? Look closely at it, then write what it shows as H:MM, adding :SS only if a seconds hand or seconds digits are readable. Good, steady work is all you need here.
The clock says 12:50
